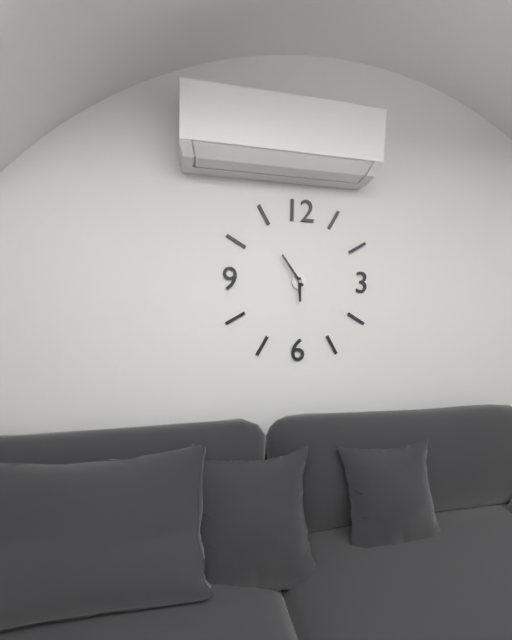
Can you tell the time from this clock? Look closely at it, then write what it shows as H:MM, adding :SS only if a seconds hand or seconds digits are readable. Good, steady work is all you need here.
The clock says 5:54
